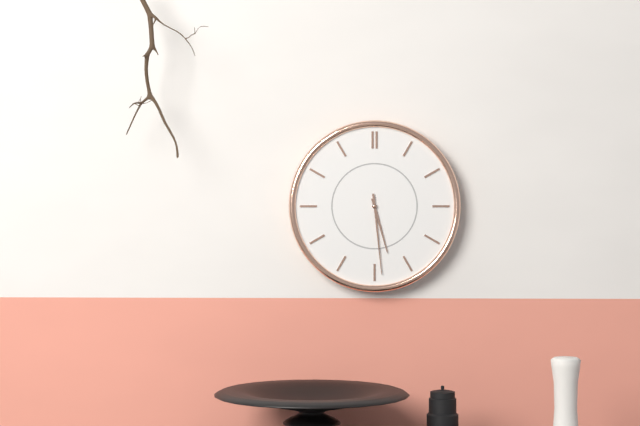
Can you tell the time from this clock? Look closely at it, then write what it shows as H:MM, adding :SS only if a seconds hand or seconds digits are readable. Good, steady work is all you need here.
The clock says 5:29
